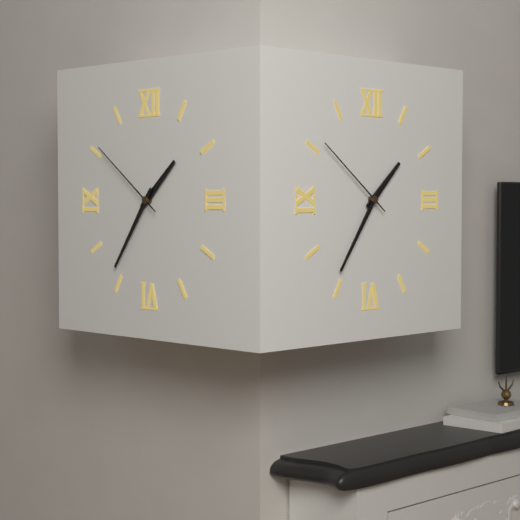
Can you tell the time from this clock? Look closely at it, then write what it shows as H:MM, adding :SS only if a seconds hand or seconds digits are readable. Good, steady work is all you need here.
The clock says 1:36:51
